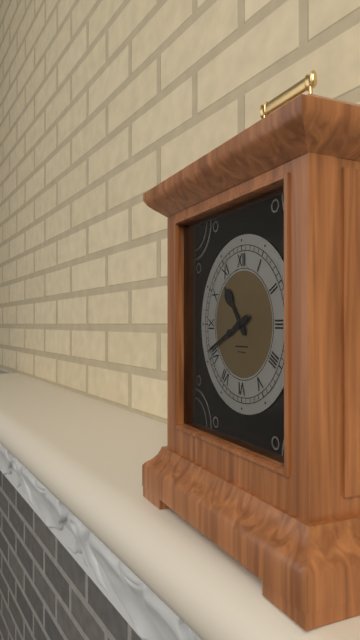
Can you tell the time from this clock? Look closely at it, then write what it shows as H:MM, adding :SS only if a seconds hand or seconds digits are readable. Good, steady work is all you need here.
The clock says 10:41
